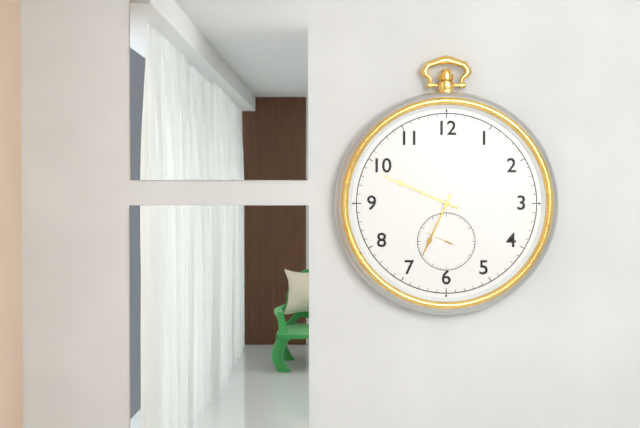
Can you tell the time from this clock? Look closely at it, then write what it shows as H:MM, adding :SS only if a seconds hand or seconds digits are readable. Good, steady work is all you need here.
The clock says 6:49
